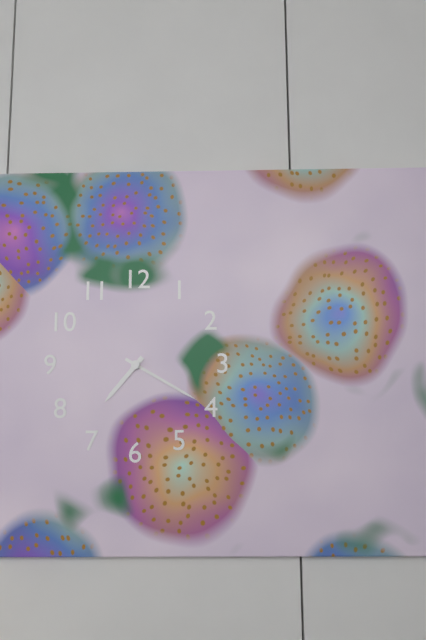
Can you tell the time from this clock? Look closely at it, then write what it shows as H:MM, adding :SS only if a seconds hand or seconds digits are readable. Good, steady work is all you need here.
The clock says 7:20
